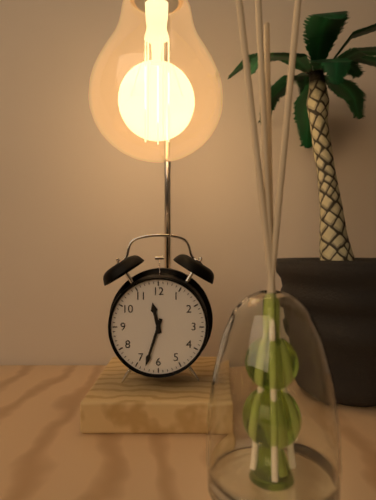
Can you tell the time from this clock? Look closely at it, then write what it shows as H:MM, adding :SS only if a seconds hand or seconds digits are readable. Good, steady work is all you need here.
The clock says 11:33
